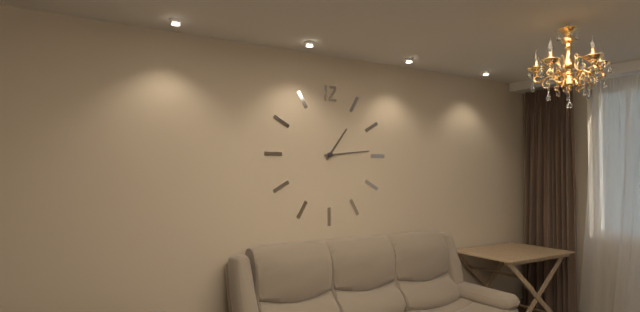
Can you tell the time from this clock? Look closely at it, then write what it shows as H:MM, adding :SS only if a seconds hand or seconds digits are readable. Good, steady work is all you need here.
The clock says 1:14
